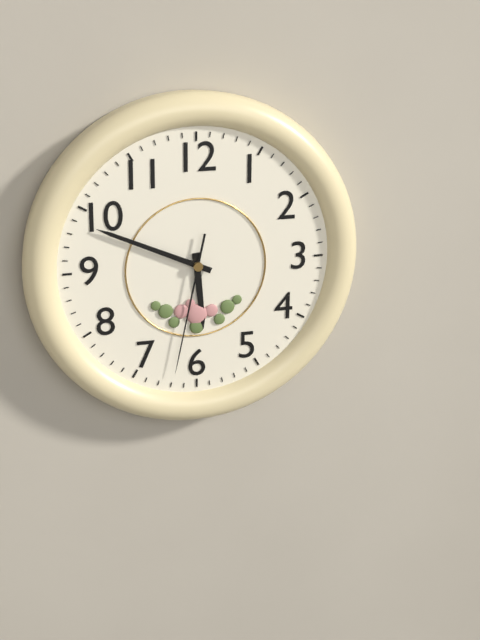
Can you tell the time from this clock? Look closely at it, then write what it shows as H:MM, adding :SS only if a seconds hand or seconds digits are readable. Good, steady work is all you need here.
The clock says 5:49:32
